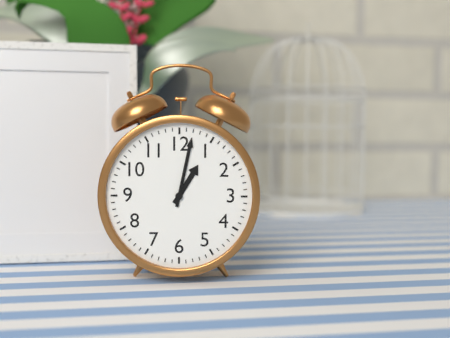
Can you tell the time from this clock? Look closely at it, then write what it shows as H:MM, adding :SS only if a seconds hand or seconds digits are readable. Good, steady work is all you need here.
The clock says 1:02
